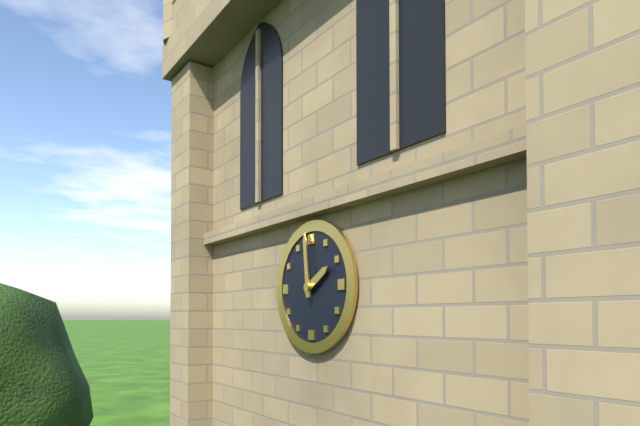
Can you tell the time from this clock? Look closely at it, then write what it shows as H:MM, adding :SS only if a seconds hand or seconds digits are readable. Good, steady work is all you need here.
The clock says 1:59
